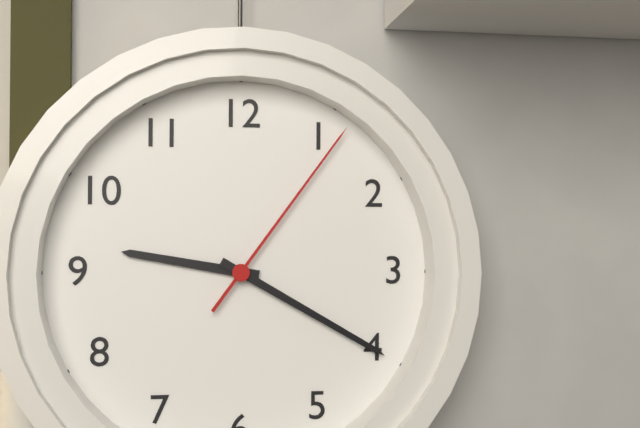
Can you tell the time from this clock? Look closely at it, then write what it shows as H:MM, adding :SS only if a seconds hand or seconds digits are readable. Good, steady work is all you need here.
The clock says 9:20:06
